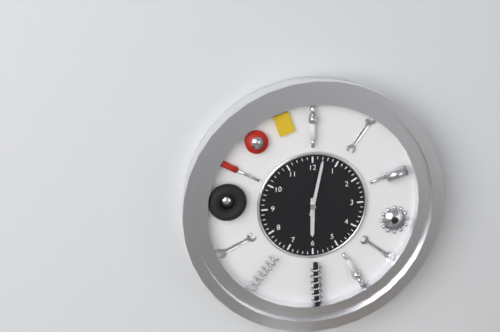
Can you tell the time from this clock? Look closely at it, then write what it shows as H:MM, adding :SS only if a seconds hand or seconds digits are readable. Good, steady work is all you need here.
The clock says 6:02
